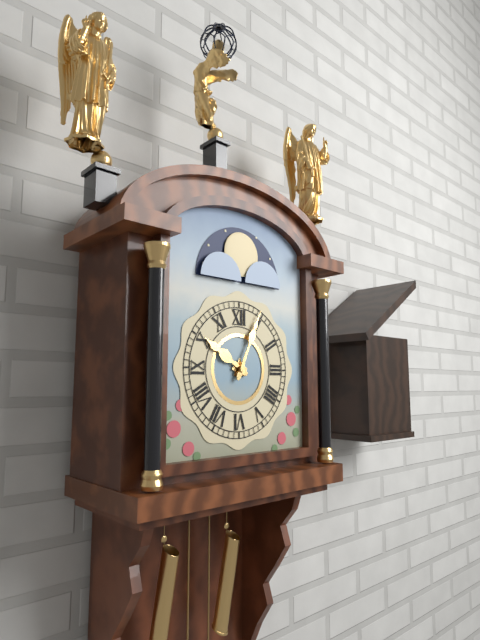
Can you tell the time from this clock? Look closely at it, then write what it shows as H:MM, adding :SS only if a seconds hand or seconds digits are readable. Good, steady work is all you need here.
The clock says 10:04
